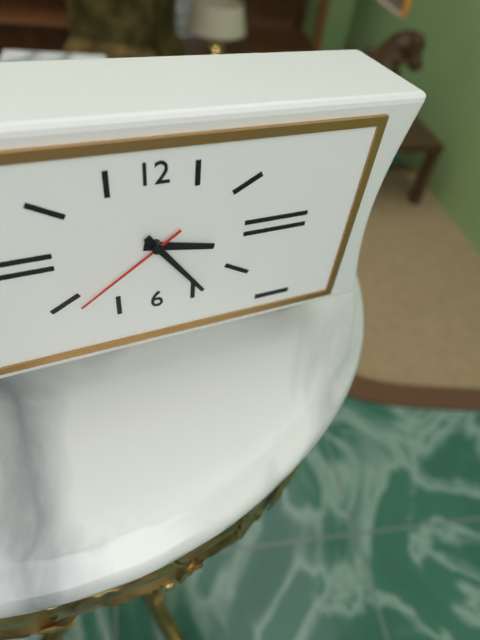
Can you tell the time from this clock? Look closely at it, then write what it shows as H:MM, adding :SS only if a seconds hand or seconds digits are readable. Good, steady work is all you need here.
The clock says 3:24:39
